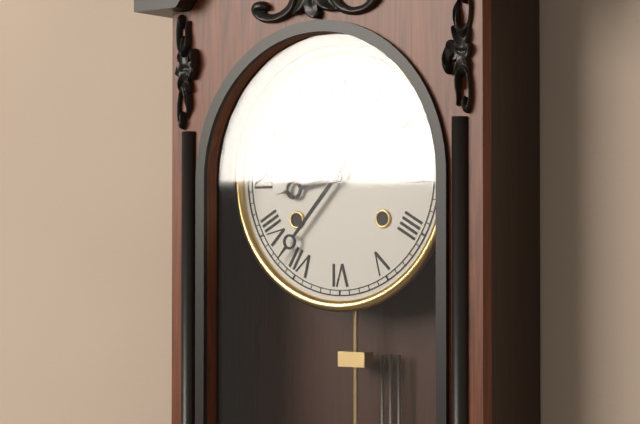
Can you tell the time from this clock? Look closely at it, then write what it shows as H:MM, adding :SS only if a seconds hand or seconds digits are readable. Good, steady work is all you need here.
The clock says 8:37
